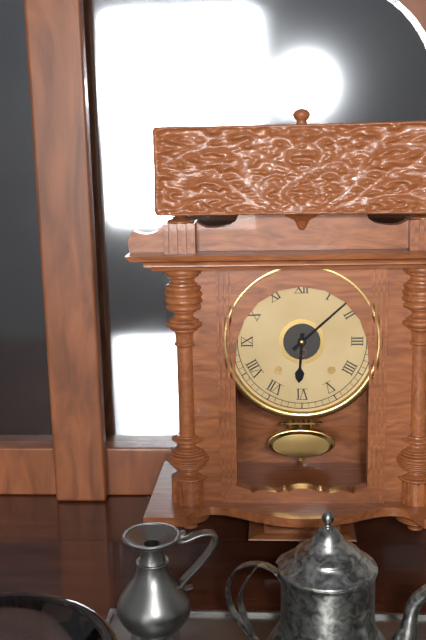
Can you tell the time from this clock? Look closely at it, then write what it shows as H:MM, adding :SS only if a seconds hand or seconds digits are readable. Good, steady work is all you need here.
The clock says 6:08
